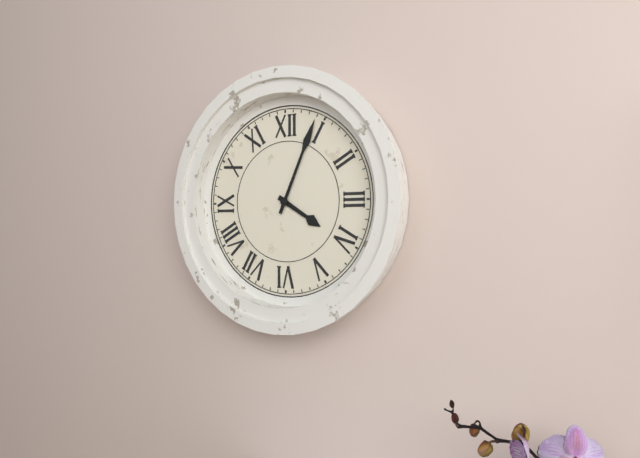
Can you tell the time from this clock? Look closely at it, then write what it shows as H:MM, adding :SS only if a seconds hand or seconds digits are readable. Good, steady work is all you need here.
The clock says 4:04
